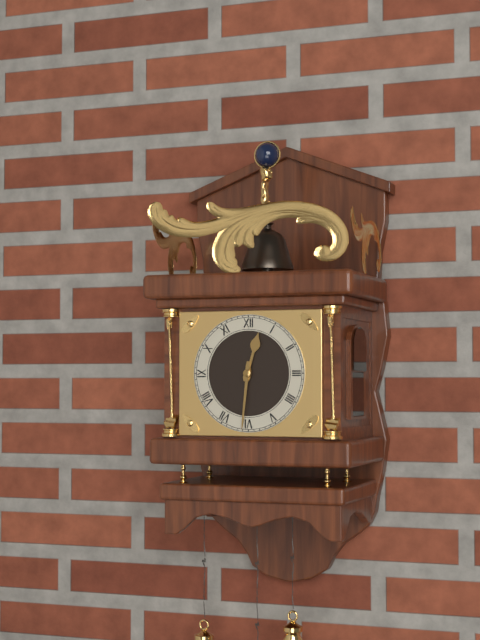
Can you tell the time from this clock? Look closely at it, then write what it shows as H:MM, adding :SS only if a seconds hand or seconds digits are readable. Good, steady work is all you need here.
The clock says 12:31
